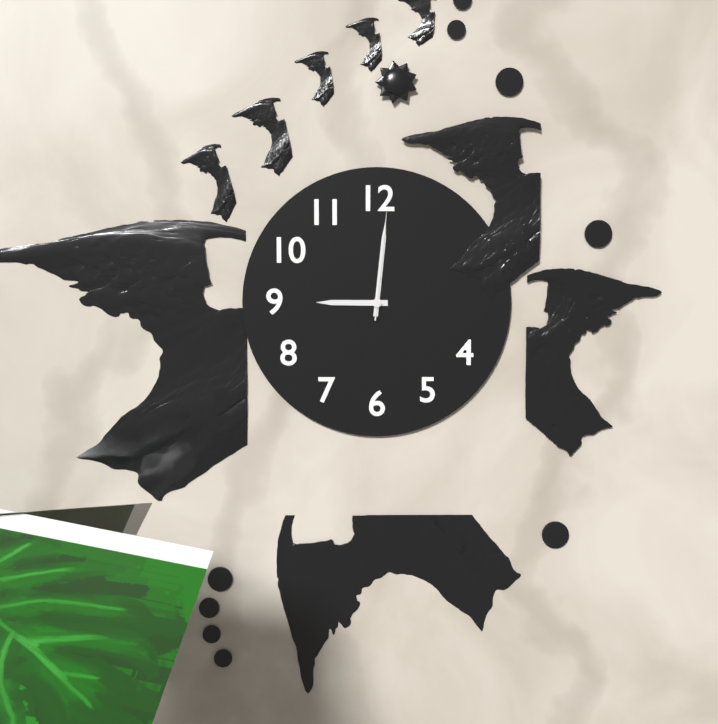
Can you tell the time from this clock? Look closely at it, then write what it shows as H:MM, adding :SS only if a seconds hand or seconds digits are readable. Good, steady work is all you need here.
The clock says 9:01:01
